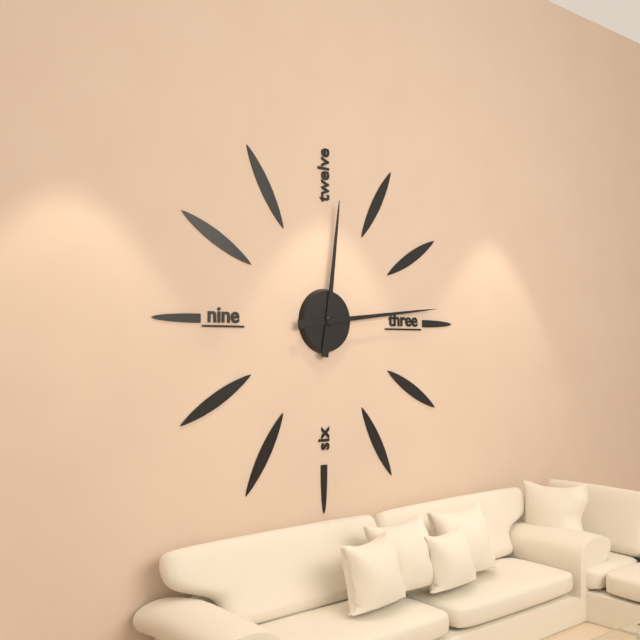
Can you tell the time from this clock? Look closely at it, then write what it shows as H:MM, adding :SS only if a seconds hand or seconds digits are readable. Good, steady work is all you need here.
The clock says 12:14
